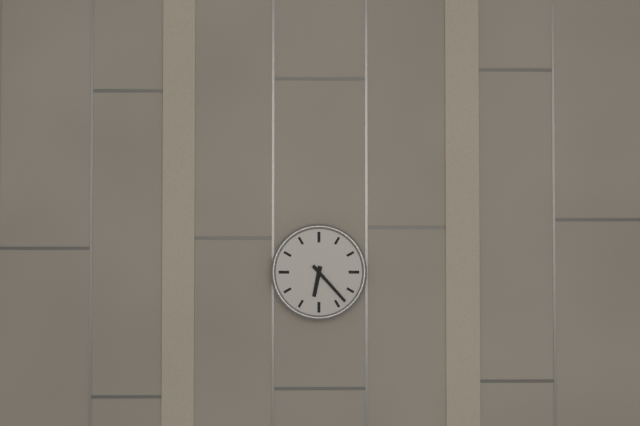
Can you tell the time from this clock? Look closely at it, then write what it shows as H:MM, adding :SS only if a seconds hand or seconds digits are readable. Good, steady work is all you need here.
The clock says 6:23
